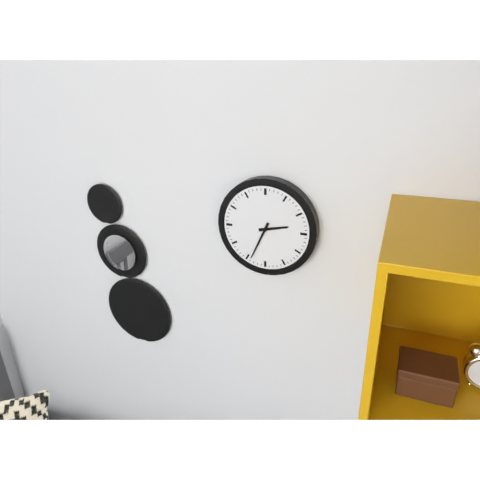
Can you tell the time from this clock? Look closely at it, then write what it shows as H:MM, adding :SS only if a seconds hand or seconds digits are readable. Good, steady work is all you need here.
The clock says 2:34
